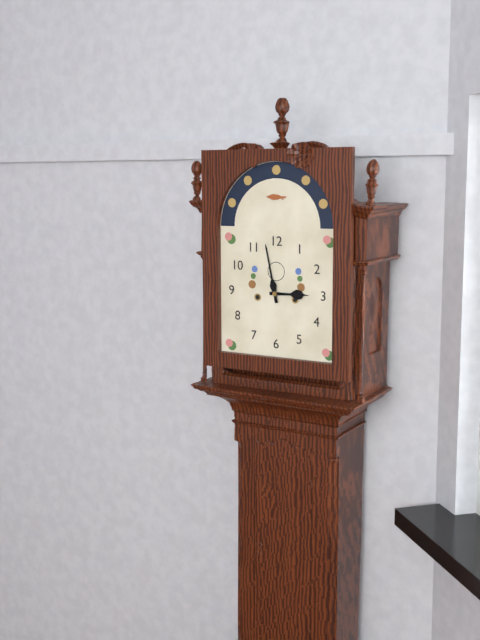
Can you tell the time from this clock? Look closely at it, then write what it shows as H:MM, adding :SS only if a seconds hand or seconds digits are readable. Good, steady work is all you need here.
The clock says 2:58
